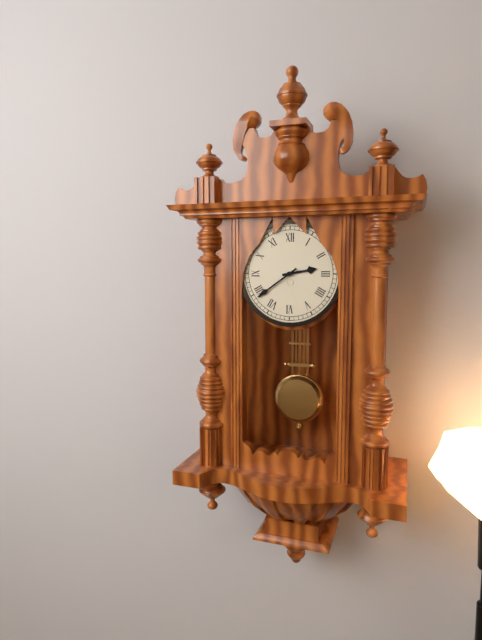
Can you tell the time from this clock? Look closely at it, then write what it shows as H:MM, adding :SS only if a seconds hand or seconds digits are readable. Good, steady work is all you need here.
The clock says 2:39
